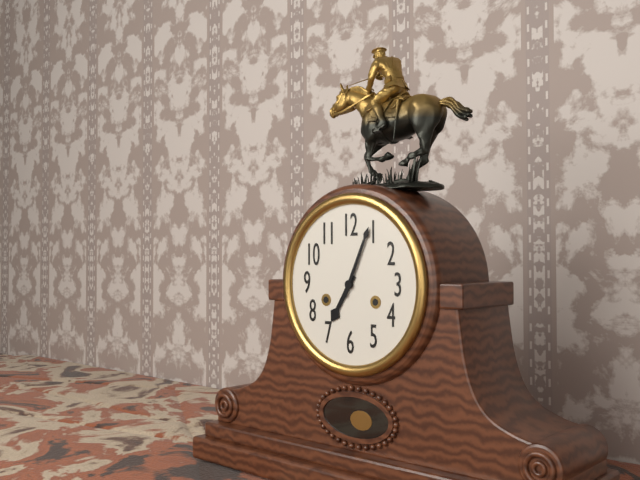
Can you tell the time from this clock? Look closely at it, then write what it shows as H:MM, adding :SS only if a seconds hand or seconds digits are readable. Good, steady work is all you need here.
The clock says 7:04
